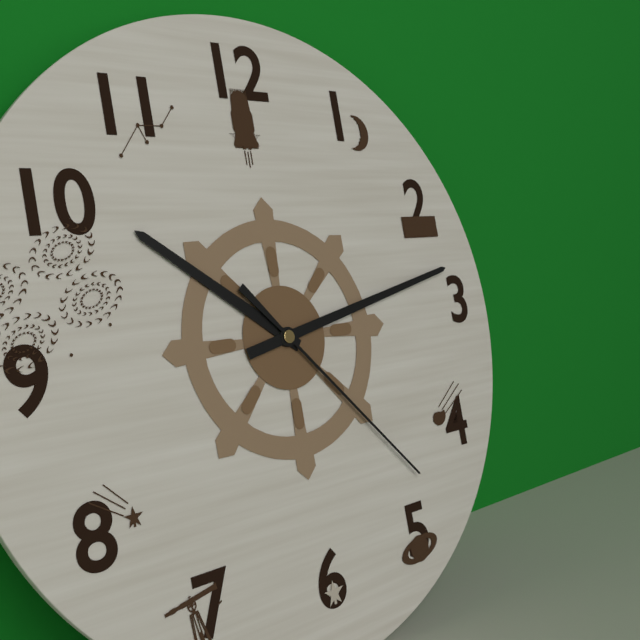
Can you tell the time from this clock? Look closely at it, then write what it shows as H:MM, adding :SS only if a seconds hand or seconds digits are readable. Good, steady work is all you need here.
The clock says 10:13:23
